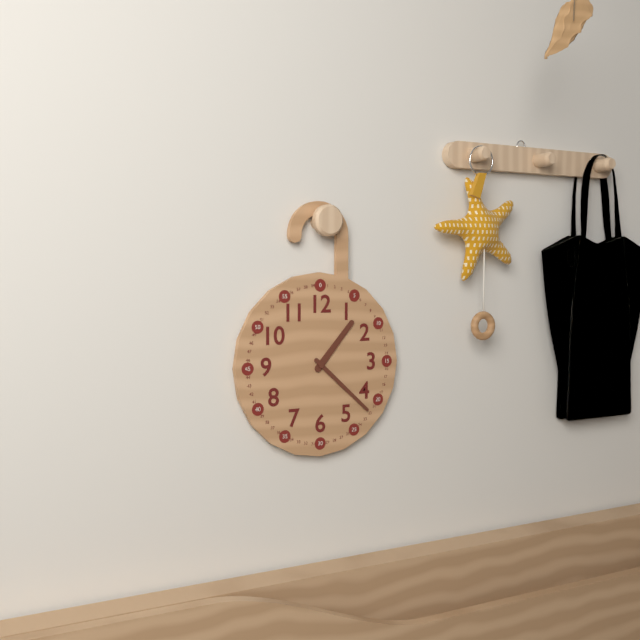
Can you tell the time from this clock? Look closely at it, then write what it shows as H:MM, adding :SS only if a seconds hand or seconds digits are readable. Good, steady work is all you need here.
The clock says 1:22
